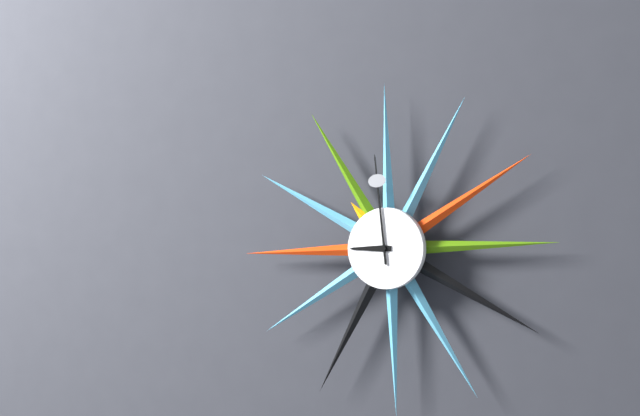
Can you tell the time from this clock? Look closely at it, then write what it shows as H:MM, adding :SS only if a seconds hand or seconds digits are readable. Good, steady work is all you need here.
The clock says 8:59
